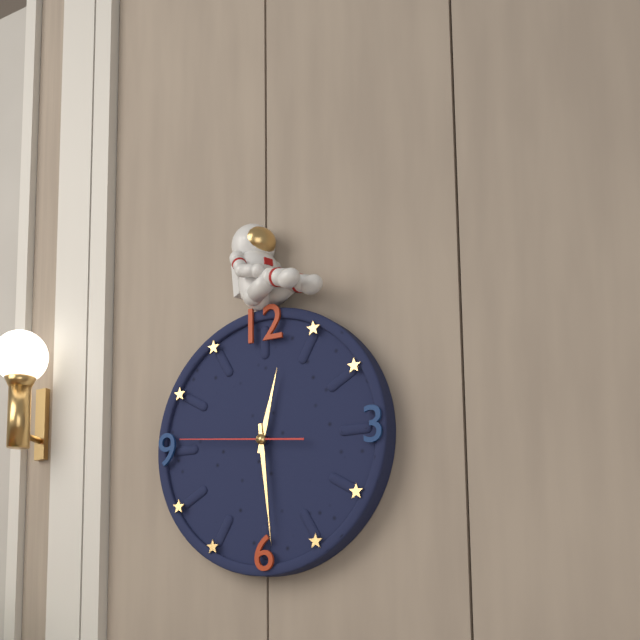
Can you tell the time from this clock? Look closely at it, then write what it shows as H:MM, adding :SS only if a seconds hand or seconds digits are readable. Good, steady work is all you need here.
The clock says 12:29:46
